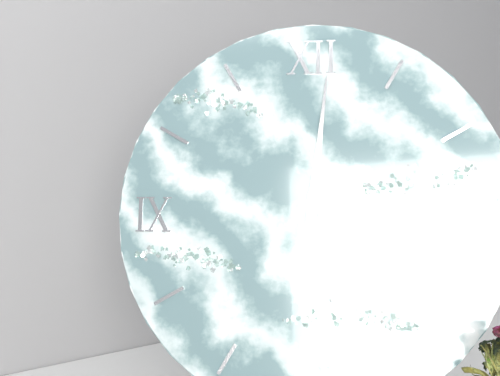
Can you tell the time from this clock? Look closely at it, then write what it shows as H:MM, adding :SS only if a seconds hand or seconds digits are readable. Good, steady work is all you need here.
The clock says 6:01
